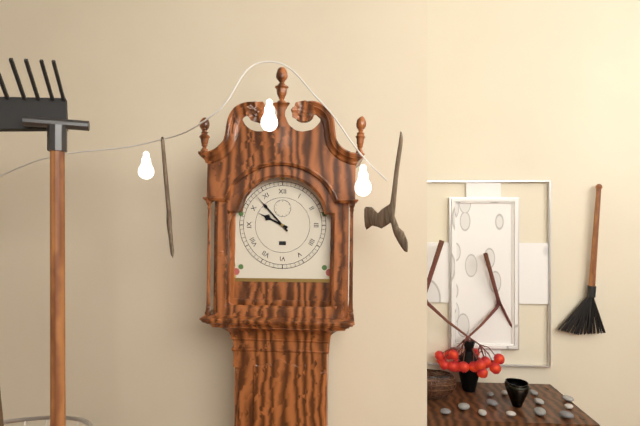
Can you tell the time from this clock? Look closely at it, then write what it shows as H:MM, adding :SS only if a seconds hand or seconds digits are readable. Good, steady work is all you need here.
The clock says 9:53
